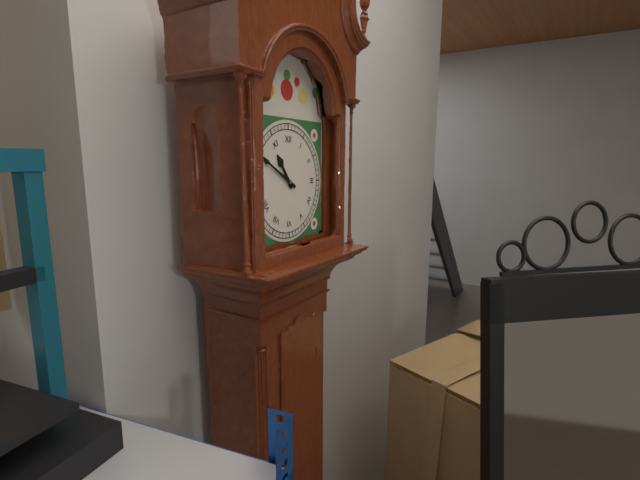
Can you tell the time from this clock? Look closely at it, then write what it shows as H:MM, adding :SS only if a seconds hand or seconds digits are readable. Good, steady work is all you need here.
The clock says 10:50
